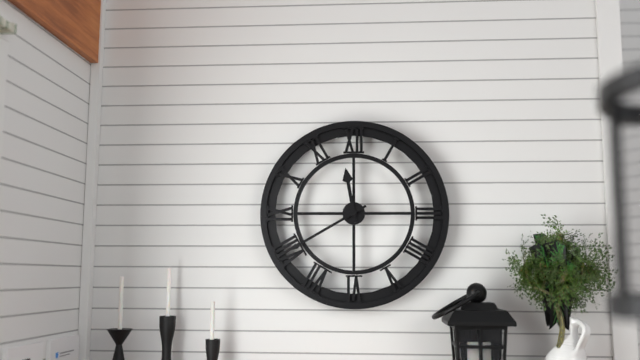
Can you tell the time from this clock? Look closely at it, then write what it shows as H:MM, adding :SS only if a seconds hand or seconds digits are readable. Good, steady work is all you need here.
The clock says 11:40
